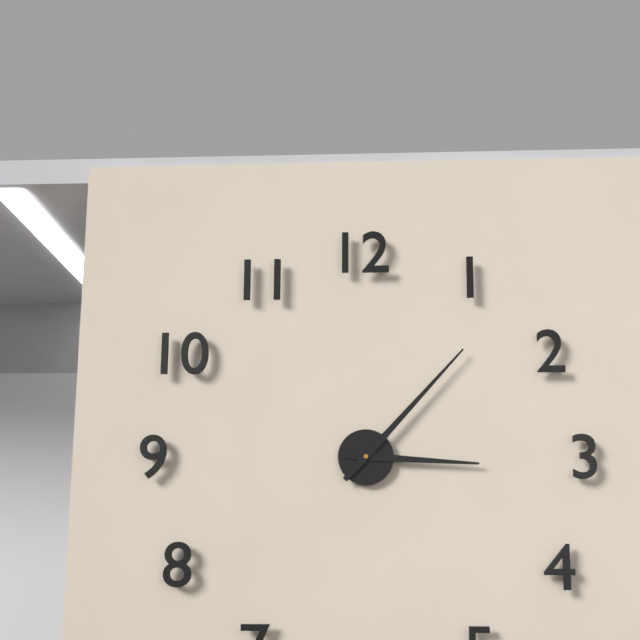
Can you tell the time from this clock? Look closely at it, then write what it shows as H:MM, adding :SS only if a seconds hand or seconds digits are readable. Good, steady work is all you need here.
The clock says 3:07
